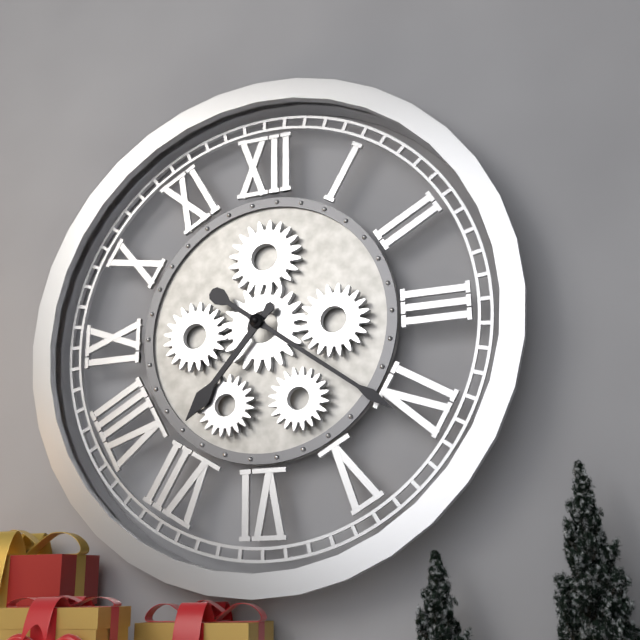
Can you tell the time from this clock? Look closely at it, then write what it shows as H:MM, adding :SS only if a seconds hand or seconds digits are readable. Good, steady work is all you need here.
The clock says 7:21
